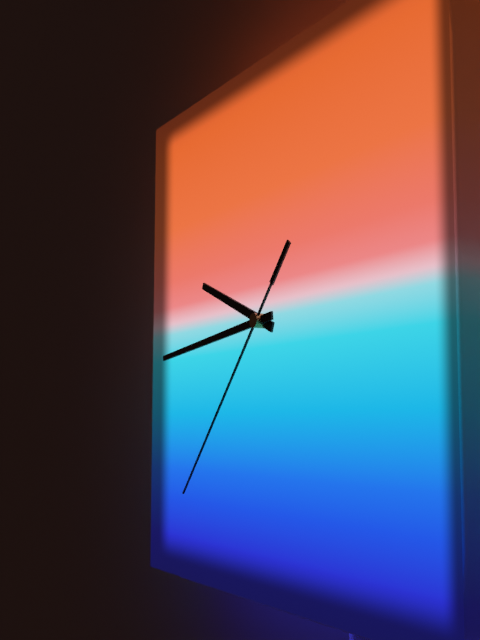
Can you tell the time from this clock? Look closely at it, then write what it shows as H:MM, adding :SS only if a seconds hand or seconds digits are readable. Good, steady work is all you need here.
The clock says 9:44:37
